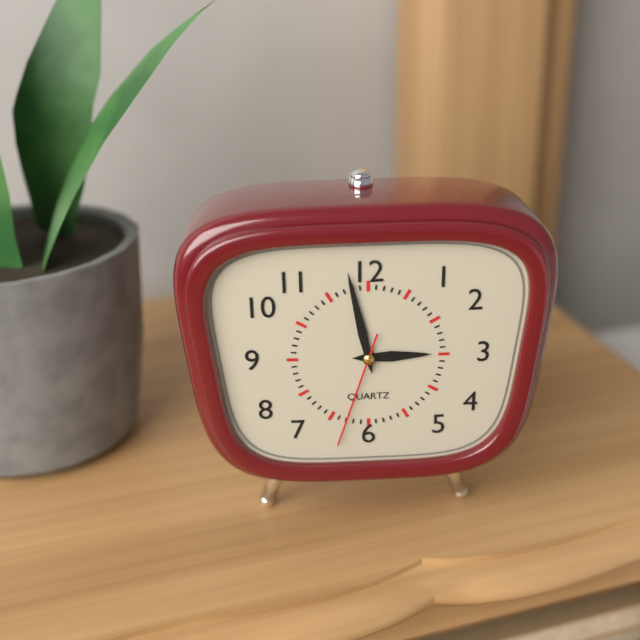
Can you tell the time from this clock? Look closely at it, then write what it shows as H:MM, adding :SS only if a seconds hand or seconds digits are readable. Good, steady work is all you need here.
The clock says 2:58:33
